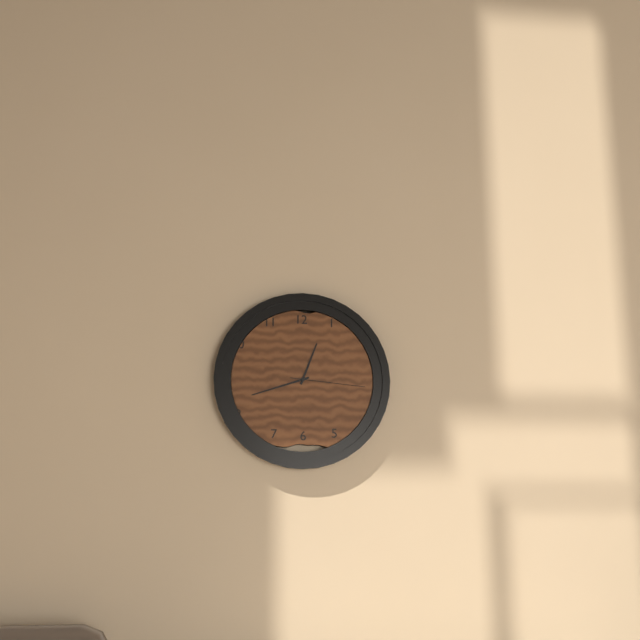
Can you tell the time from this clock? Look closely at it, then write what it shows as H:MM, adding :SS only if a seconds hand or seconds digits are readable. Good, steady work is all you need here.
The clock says 12:42:16
